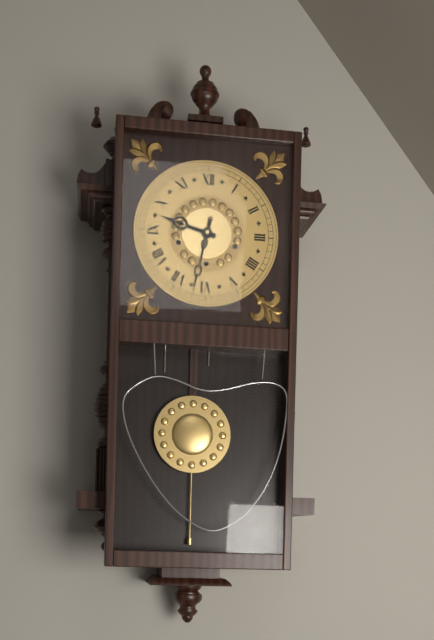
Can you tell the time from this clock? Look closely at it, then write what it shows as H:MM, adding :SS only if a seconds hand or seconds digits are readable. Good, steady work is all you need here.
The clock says 9:32
